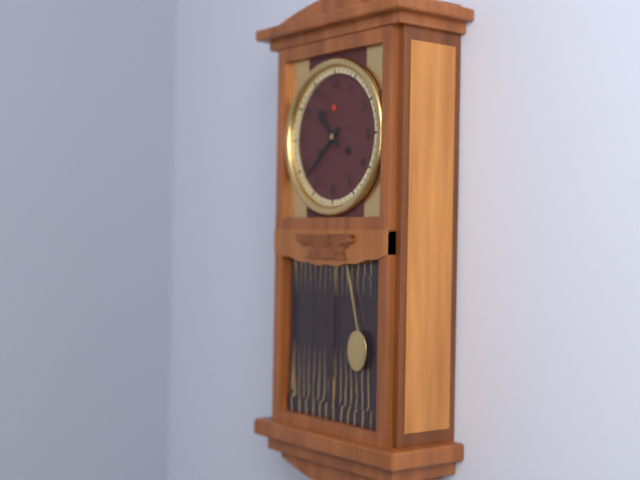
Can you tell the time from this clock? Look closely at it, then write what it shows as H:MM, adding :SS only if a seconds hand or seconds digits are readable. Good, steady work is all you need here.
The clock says 10:38
